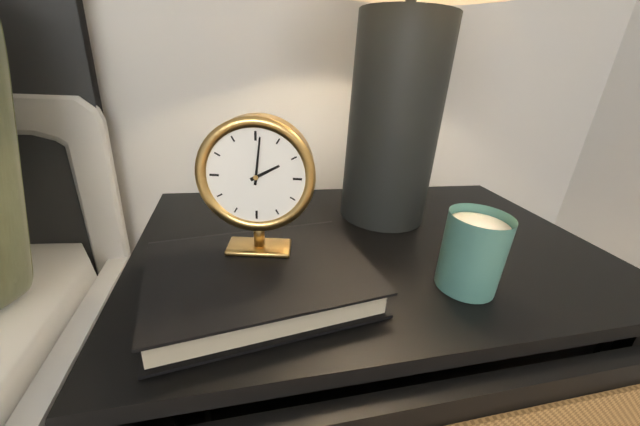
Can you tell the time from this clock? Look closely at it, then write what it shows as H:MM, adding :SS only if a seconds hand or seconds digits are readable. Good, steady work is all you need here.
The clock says 2:01
